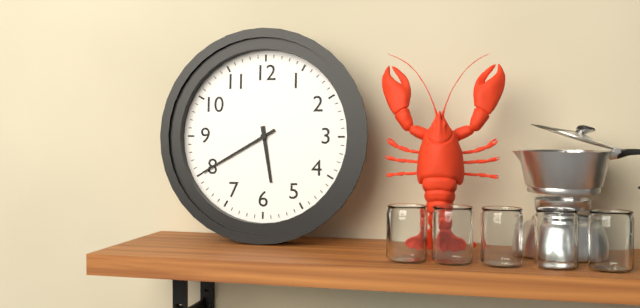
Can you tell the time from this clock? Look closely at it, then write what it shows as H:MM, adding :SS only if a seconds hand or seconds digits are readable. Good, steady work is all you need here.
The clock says 5:40
